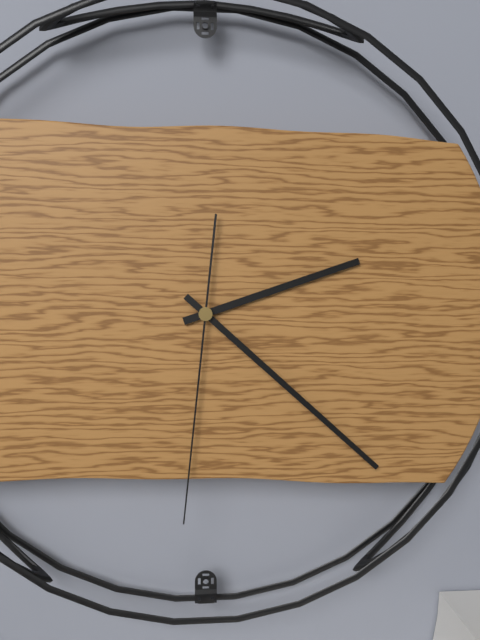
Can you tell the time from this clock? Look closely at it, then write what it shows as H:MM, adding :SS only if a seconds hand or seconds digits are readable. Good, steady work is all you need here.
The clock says 2:22:31
